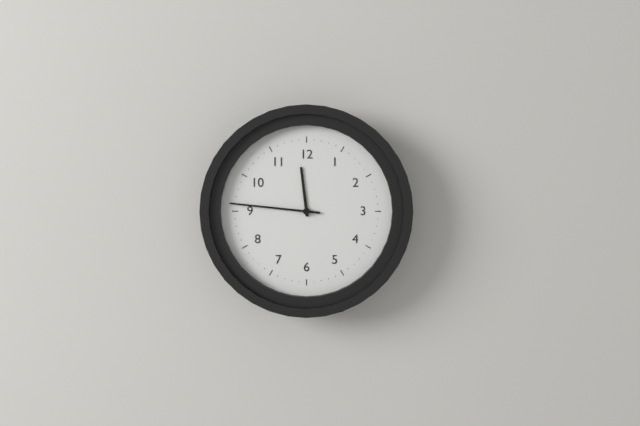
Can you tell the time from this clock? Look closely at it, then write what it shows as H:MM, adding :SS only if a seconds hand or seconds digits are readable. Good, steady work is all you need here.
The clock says 11:46
